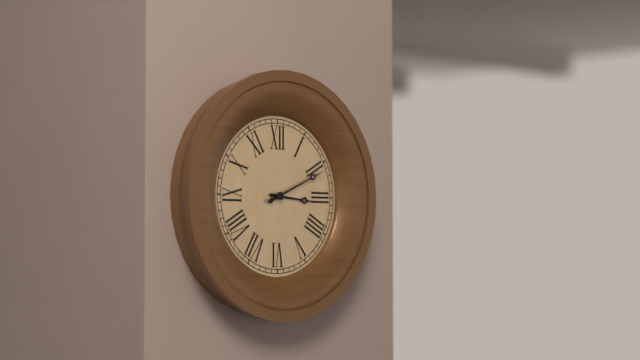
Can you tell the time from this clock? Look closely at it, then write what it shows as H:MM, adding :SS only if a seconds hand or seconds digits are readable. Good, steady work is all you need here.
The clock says 3:11
